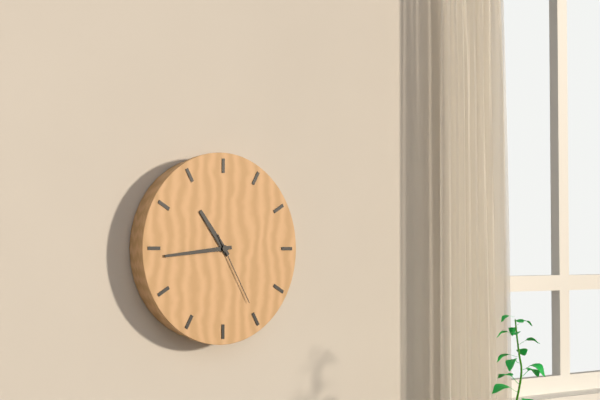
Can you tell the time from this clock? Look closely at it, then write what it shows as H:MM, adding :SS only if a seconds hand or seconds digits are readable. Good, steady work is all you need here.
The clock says 10:44:25
